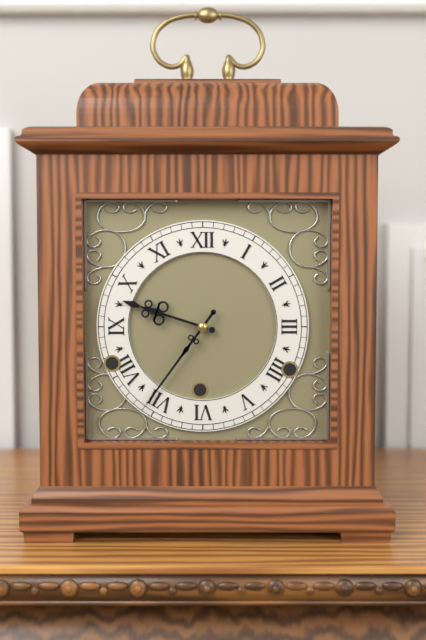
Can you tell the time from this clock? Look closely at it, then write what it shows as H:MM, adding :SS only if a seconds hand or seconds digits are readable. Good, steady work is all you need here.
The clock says 9:36
